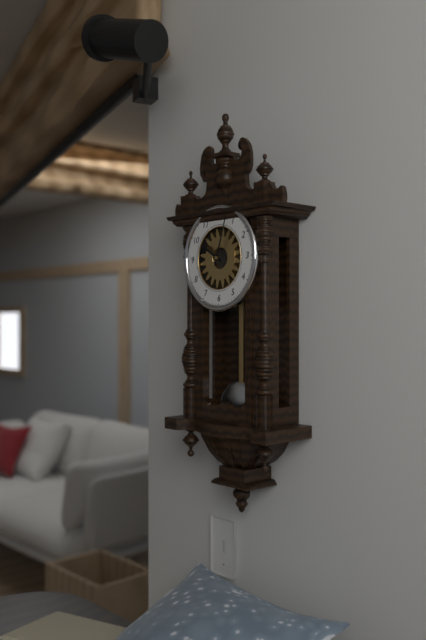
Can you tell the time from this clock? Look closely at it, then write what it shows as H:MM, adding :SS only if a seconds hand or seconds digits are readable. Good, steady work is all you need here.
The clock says 10:03
